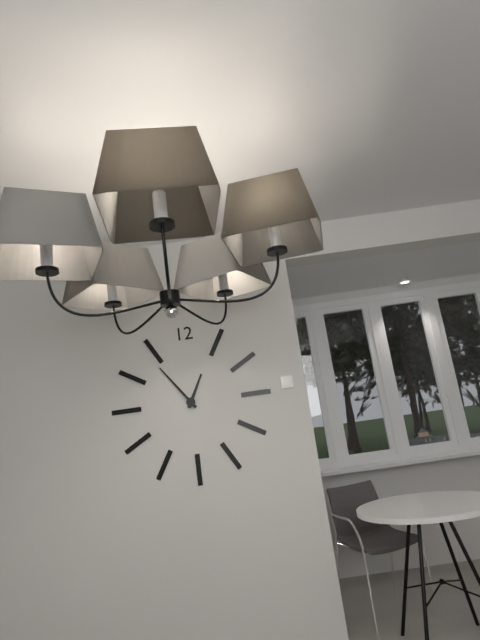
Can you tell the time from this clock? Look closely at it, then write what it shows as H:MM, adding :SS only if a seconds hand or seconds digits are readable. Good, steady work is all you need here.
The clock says 12:54
